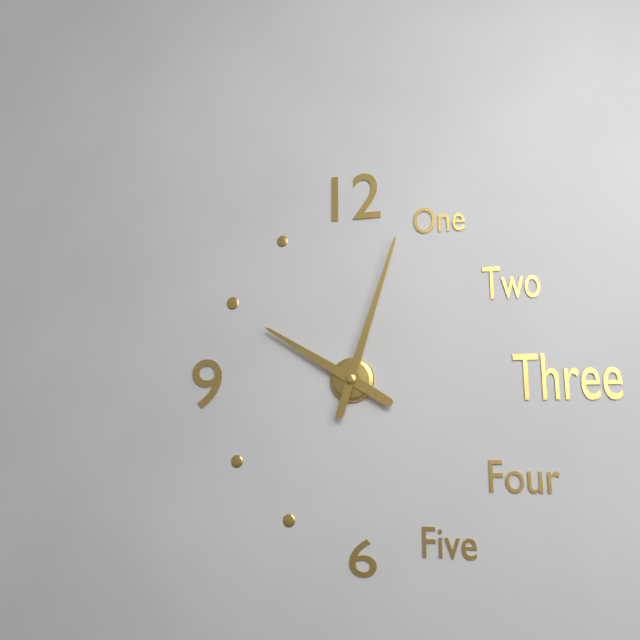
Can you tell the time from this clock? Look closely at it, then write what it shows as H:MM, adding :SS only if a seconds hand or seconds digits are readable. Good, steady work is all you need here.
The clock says 10:03
